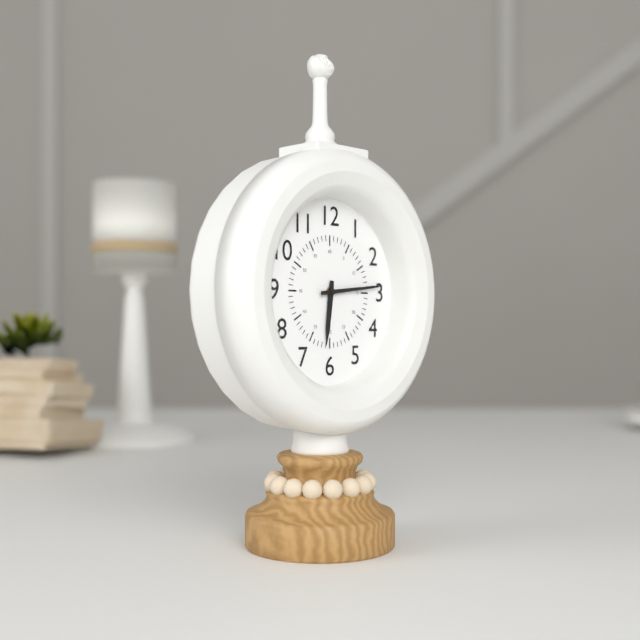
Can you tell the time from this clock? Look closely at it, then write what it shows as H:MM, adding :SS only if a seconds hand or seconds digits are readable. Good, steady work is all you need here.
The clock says 6:14
